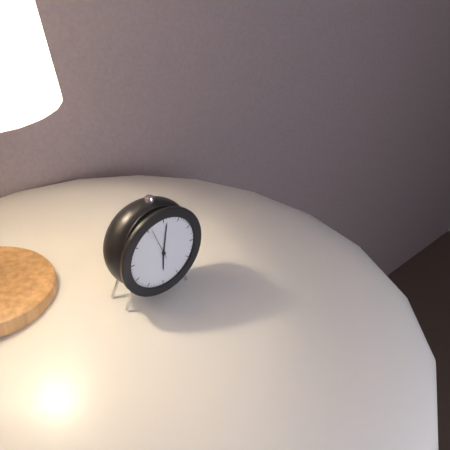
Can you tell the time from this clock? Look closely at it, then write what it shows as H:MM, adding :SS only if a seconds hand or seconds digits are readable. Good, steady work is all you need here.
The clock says 6:01
